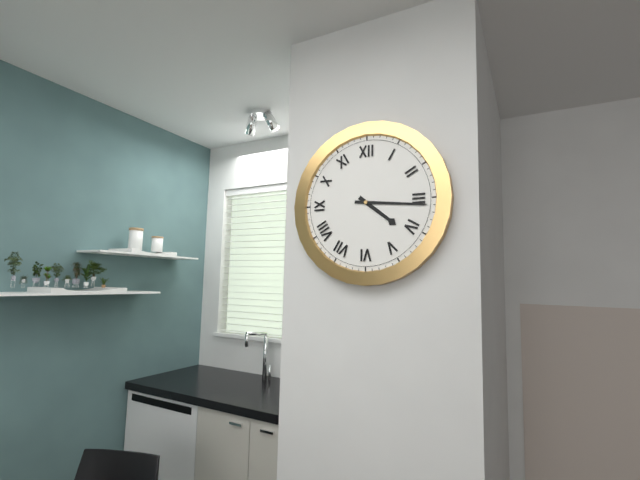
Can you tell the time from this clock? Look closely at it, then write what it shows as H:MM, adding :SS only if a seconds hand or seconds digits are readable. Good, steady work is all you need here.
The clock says 4:16
